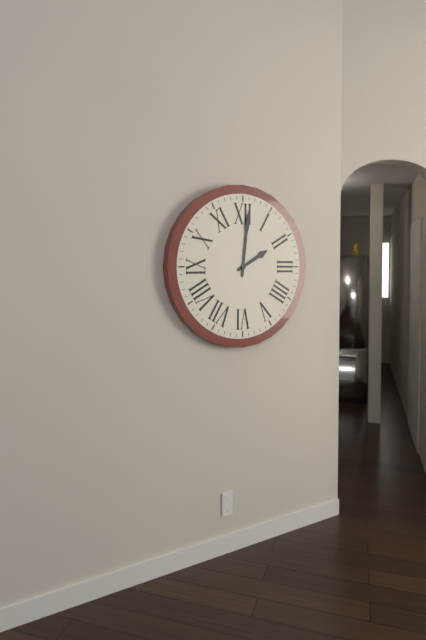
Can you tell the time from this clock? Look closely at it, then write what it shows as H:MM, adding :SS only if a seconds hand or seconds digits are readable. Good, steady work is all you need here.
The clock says 2:01
